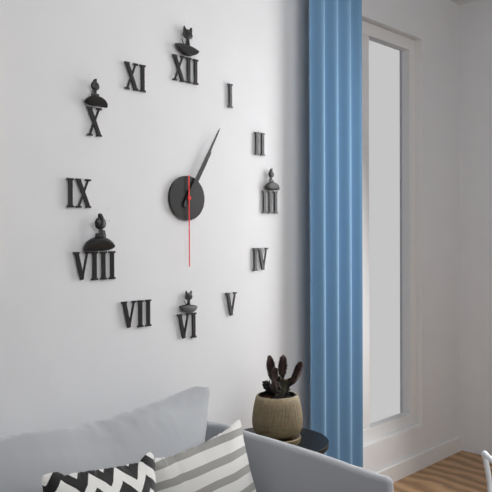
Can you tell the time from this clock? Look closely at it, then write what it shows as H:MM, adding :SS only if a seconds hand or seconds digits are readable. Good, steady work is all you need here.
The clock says 1:05:30
